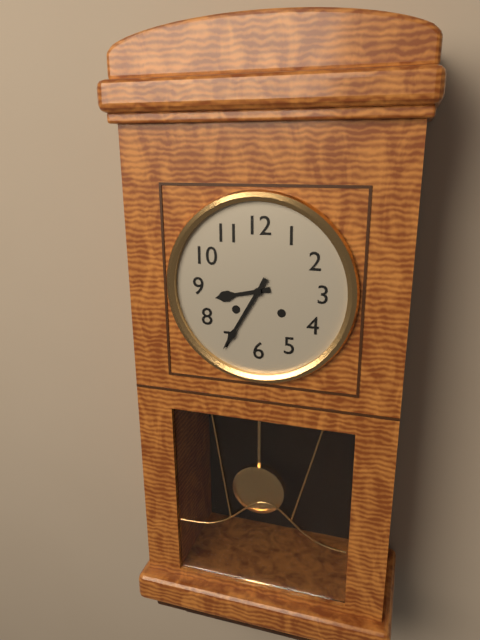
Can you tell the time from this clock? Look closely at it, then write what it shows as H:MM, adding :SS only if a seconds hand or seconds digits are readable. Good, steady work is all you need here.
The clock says 8:35
